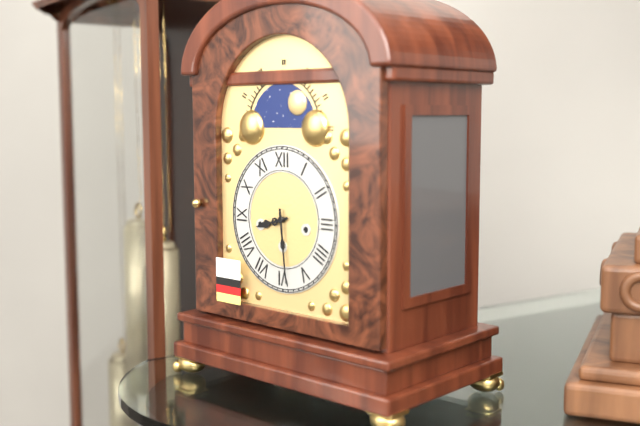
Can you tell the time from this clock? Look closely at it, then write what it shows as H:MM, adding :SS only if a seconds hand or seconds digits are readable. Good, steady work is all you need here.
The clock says 8:29
